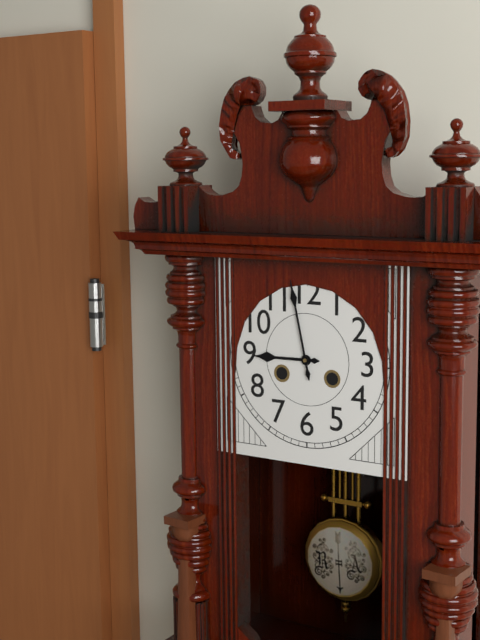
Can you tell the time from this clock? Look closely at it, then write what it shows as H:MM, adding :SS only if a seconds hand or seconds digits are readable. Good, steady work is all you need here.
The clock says 8:58
